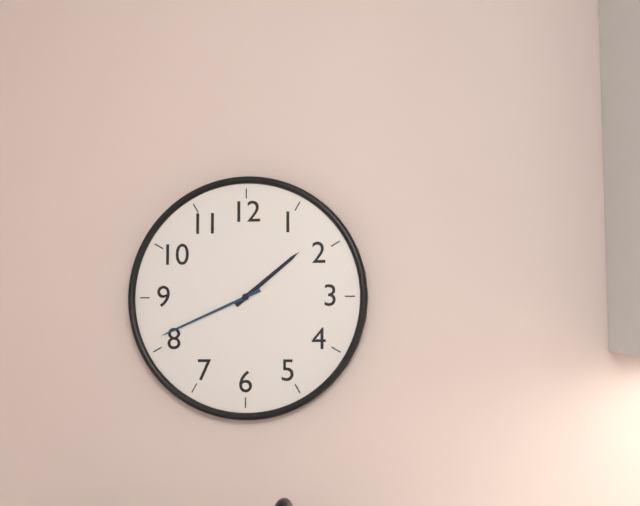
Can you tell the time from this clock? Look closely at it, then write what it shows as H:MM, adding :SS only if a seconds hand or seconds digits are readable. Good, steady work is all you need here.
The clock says 1:41
